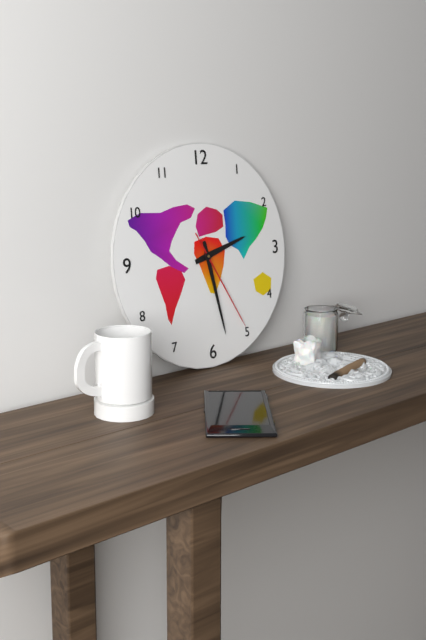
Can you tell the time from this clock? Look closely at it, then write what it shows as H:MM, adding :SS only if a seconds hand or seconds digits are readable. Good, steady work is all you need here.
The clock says 2:28:25
